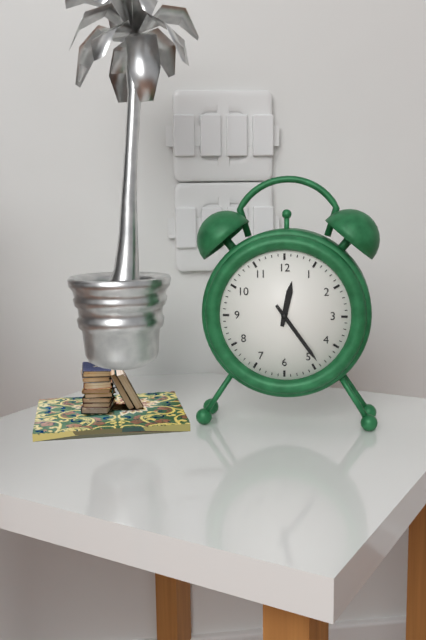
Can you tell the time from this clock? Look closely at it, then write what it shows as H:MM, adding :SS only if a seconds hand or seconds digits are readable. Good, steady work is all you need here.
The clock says 12:24
